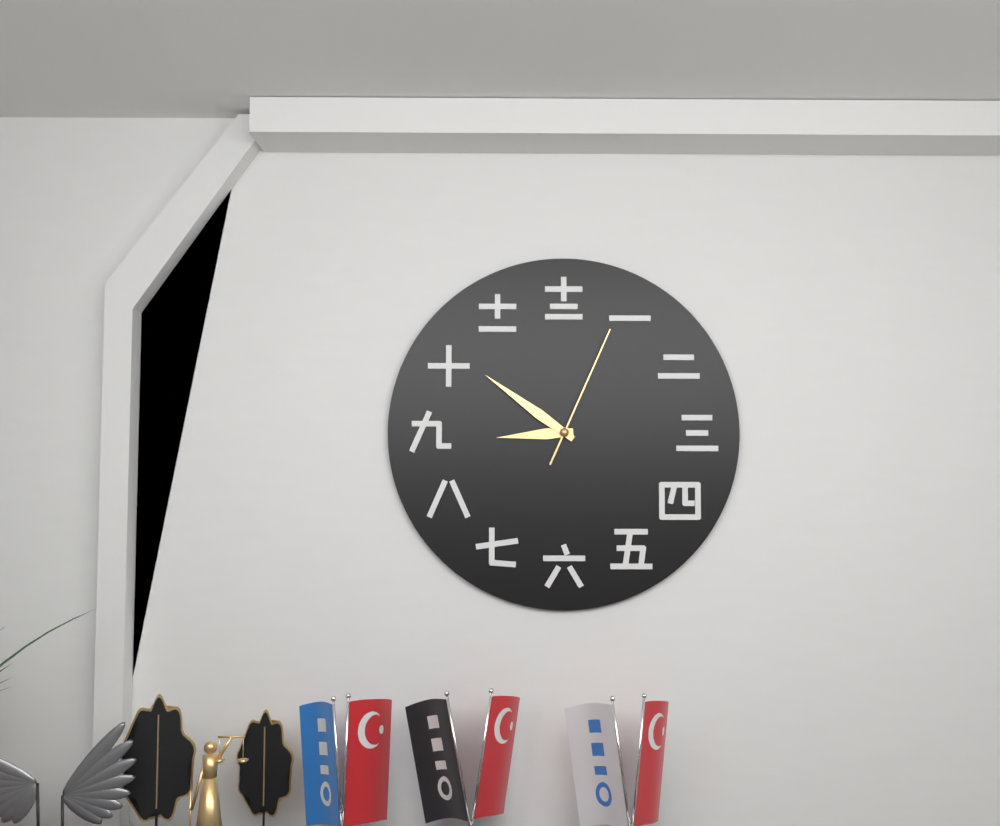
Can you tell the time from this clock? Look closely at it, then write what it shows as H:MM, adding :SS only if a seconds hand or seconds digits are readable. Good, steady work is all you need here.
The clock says 8:51:04
